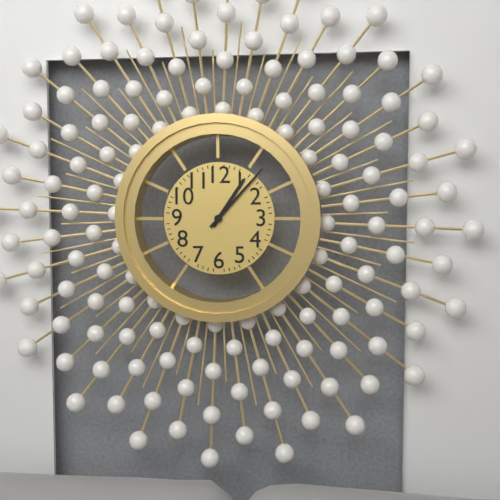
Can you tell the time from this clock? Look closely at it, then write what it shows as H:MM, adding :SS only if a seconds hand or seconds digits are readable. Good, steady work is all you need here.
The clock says 1:07
